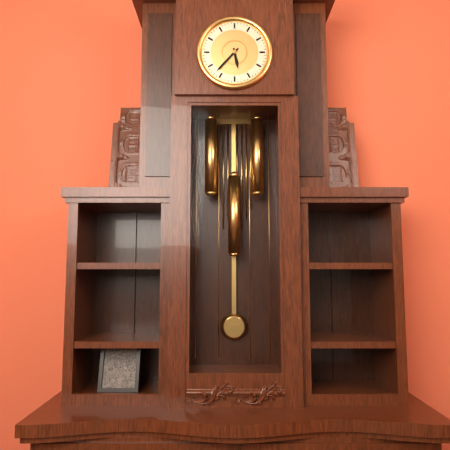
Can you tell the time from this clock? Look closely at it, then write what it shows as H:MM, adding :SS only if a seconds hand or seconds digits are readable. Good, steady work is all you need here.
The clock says 5:37
